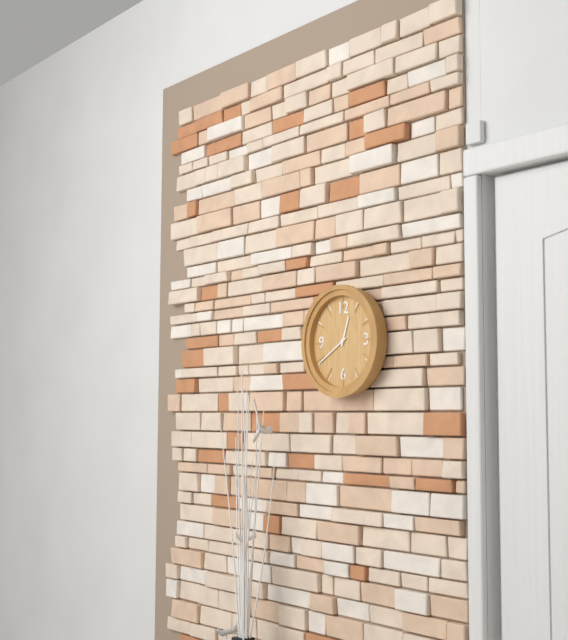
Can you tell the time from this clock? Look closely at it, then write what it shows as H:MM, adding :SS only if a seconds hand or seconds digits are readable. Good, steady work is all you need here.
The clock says 12:40
